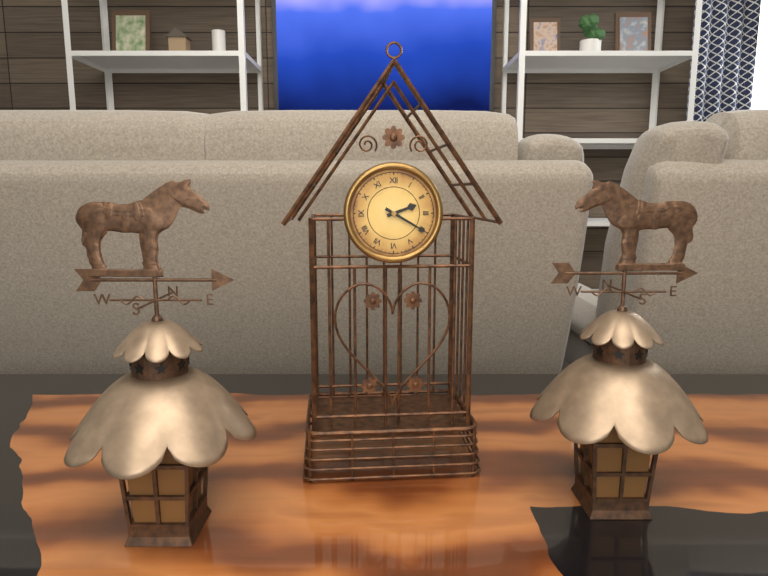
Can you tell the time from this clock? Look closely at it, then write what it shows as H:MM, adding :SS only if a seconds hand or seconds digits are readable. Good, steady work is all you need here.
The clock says 2:20
